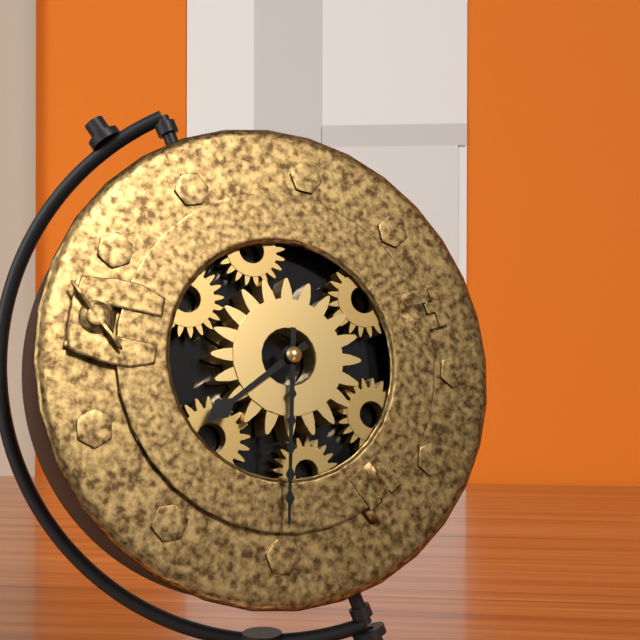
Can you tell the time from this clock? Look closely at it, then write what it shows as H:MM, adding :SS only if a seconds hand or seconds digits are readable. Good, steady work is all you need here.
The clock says 7:29
